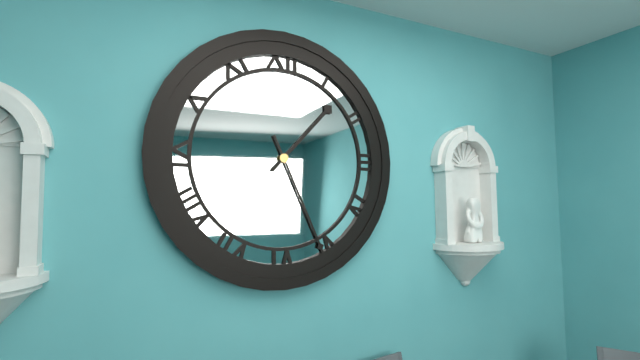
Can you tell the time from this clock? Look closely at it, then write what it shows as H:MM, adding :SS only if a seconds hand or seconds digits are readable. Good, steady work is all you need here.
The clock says 1:26
